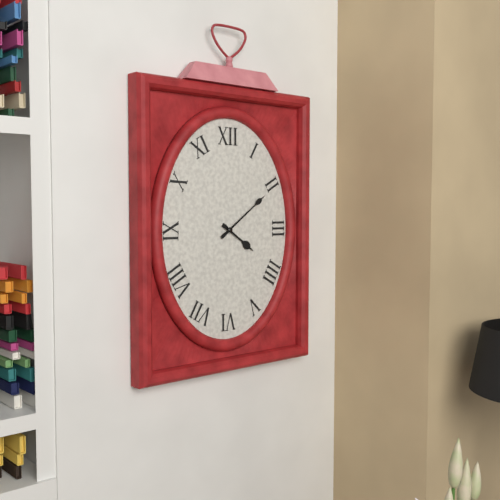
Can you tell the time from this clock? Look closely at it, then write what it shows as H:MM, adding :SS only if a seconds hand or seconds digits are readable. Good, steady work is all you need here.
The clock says 4:09
